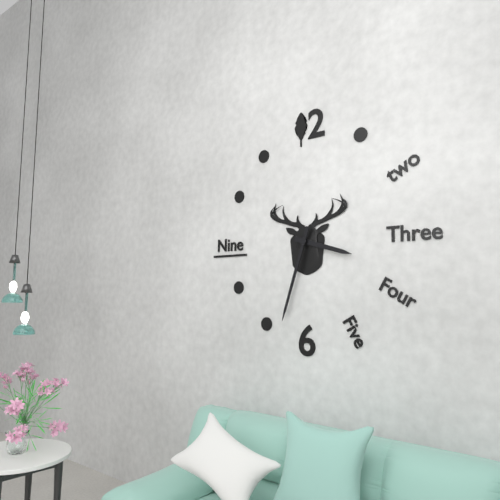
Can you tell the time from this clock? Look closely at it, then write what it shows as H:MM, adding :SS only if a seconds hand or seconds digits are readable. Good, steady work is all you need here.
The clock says 3:33
